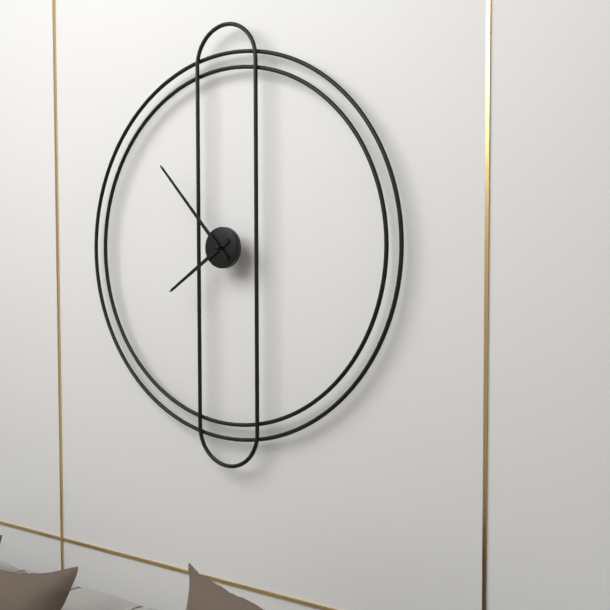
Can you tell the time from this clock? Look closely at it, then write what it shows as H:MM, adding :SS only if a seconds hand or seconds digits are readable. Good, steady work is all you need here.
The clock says 7:53
